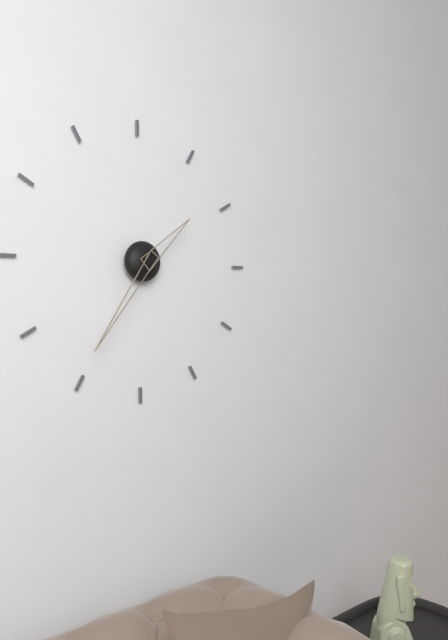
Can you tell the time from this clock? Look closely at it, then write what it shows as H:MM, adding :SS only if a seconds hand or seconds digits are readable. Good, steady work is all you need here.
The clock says 1:36
